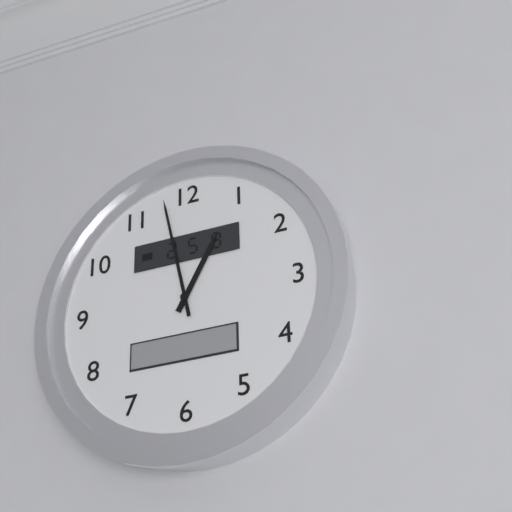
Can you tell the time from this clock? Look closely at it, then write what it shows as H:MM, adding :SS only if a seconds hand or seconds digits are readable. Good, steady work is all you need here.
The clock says 12:58
